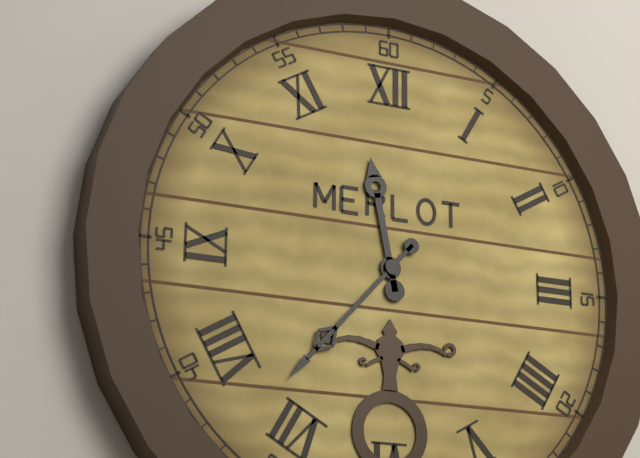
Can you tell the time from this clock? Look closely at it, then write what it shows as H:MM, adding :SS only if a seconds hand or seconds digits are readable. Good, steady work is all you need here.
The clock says 11:37
